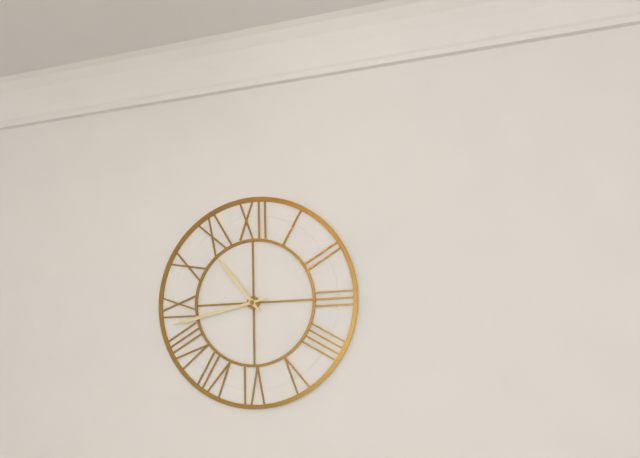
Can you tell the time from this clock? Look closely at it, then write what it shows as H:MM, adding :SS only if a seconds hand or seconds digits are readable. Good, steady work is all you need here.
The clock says 10:43
